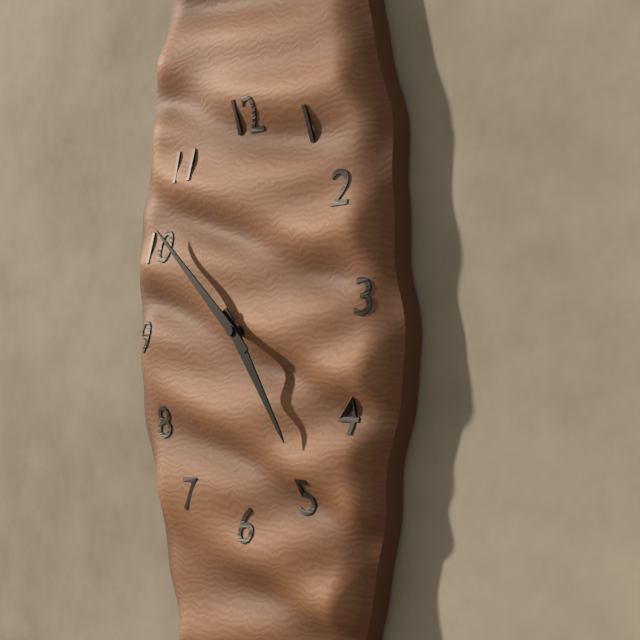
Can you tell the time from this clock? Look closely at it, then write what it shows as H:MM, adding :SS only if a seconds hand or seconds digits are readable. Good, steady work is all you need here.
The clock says 4:52
